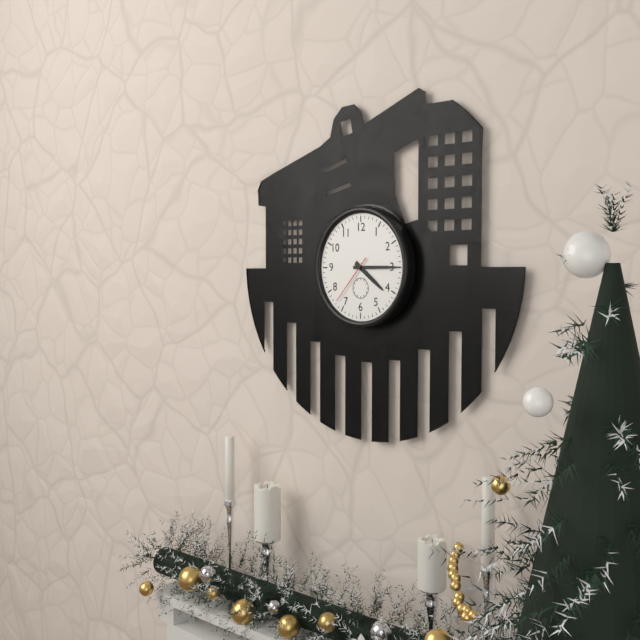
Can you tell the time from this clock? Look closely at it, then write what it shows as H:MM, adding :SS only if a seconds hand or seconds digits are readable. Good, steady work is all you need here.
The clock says 4:15:37
